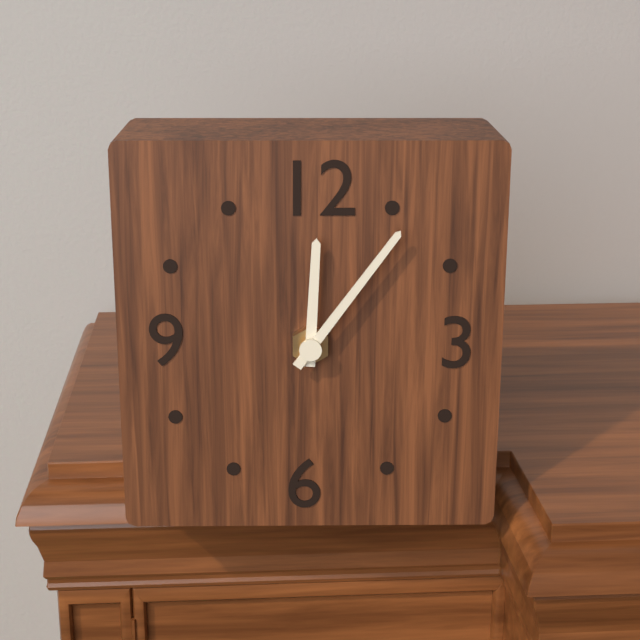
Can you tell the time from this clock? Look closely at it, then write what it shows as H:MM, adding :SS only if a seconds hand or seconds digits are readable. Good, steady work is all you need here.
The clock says 12:06
